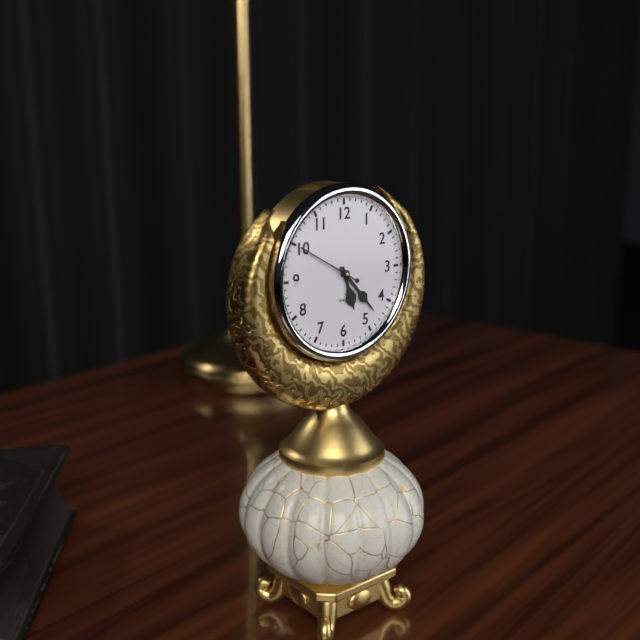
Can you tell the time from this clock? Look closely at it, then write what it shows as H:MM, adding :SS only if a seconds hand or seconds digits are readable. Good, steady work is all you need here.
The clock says 5:23
